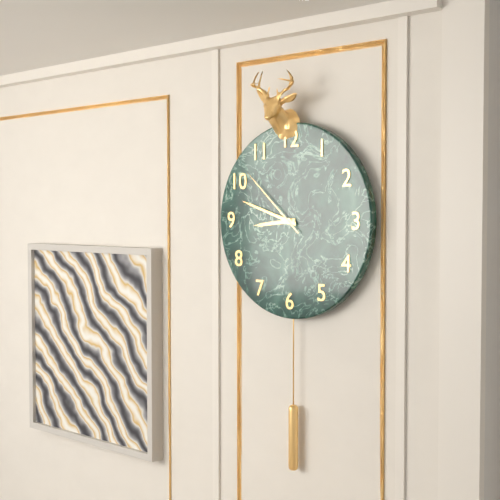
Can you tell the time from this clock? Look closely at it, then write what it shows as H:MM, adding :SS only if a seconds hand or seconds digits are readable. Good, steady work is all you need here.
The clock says 8:48:52
